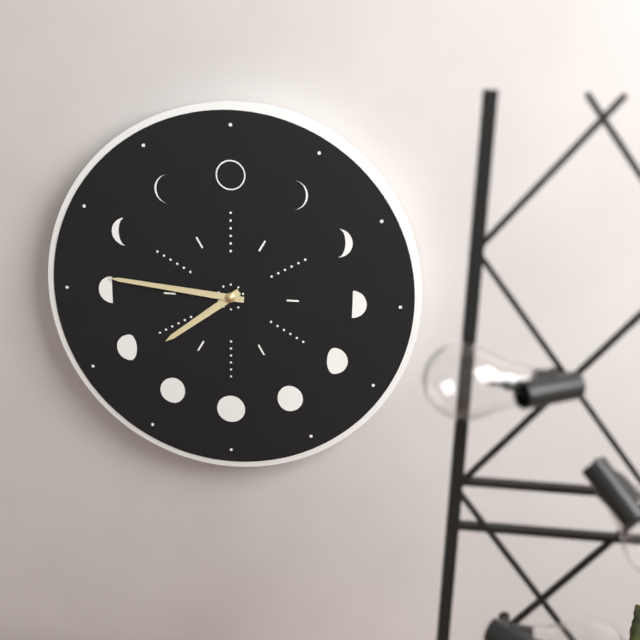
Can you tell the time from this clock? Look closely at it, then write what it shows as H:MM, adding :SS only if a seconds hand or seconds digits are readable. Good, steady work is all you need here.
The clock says 7:46
